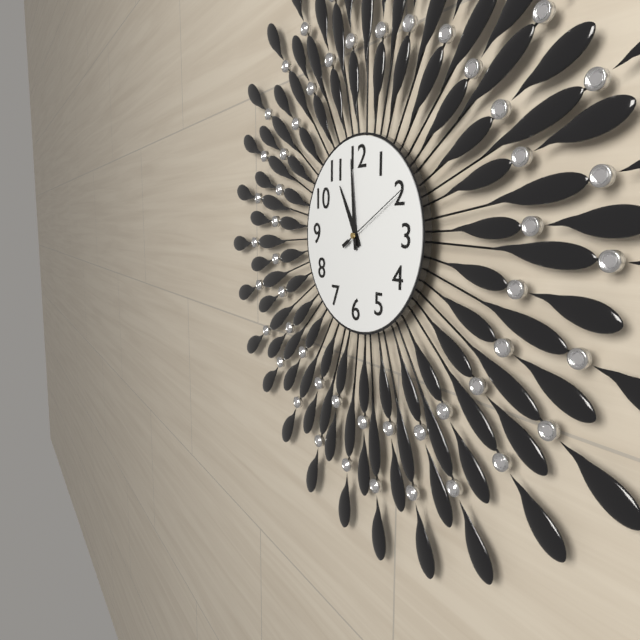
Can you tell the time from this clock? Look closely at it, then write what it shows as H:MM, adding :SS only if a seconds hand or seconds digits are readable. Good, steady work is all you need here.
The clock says 10:59:10
